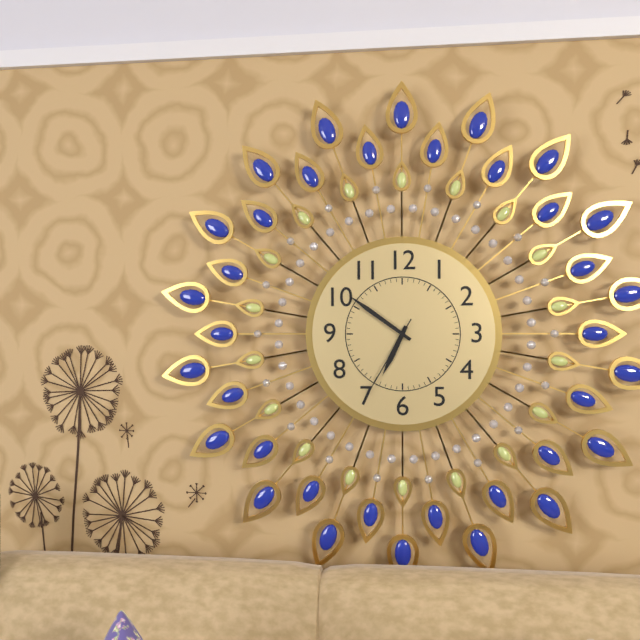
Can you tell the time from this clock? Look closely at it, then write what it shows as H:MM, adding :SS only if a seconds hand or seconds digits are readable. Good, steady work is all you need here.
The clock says 6:51:35
